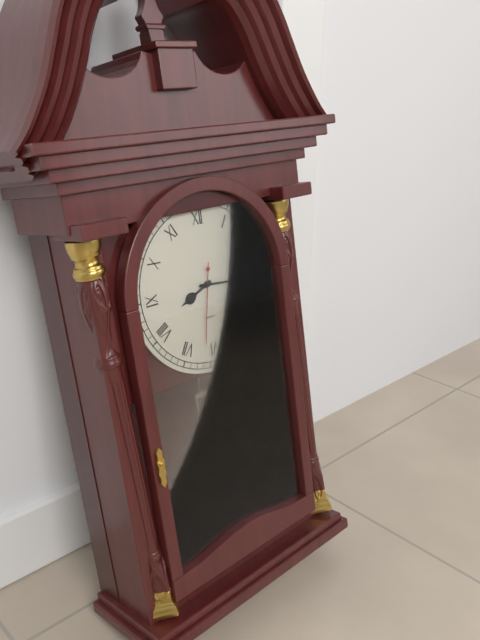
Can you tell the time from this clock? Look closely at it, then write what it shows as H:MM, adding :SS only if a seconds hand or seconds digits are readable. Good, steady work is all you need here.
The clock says 8:16:32
